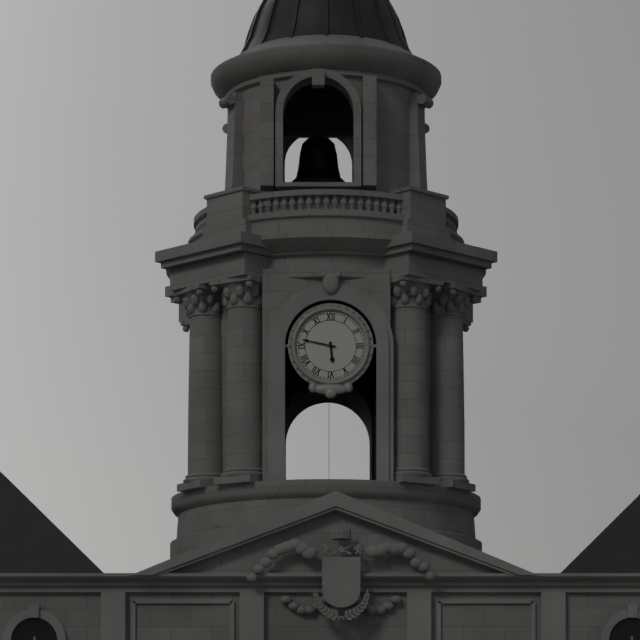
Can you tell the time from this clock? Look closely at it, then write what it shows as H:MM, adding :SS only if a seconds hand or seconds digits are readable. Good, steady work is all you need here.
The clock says 5:47
